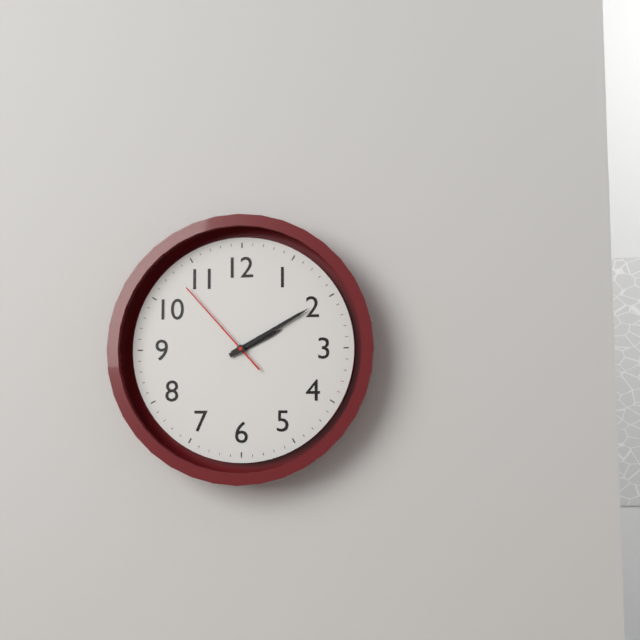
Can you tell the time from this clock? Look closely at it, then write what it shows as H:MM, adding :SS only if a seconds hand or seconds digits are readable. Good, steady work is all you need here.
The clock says 2:10:53
